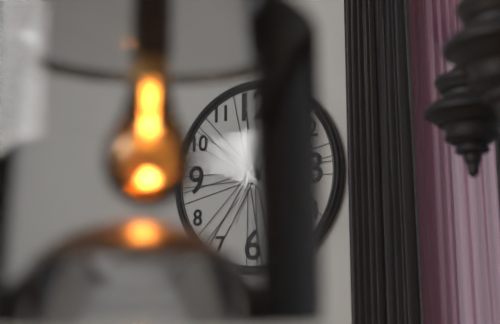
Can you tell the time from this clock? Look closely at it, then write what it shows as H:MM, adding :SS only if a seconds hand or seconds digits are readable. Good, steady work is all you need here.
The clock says 4:34
